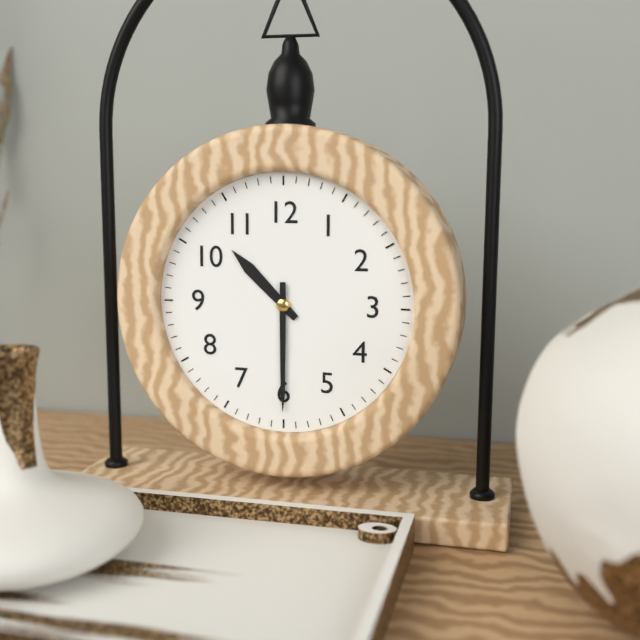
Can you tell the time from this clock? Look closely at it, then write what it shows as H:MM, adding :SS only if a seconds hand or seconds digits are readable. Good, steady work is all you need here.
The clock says 10:30
